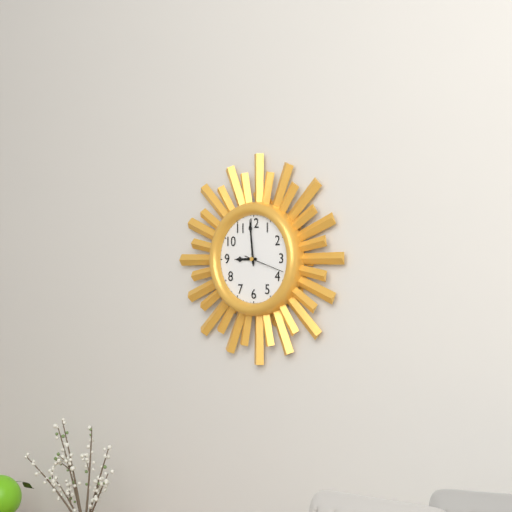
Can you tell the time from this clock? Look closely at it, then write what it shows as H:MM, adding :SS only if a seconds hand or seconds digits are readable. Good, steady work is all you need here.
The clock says 8:59
